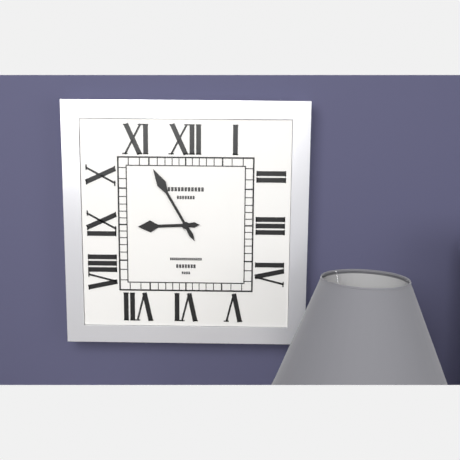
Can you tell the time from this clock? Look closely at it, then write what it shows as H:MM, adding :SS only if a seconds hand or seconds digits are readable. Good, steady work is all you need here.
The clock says 8:55
